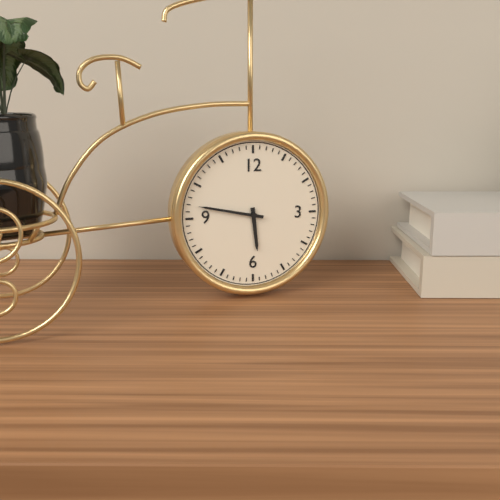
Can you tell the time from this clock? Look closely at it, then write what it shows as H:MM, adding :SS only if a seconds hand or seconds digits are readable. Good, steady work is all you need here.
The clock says 5:47
